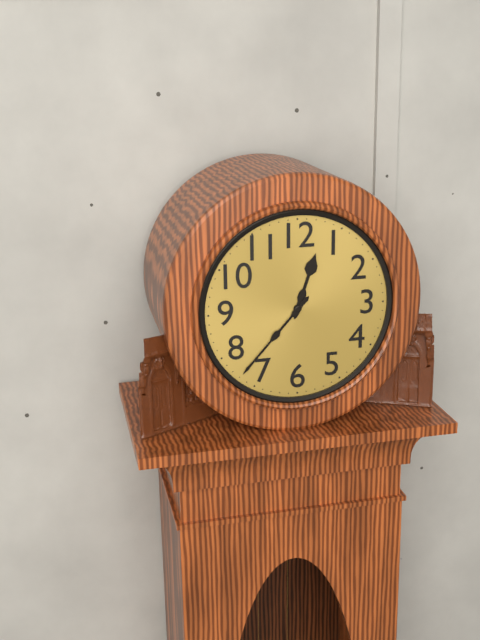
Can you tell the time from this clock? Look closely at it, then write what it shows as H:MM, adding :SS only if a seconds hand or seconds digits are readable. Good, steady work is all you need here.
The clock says 12:37
